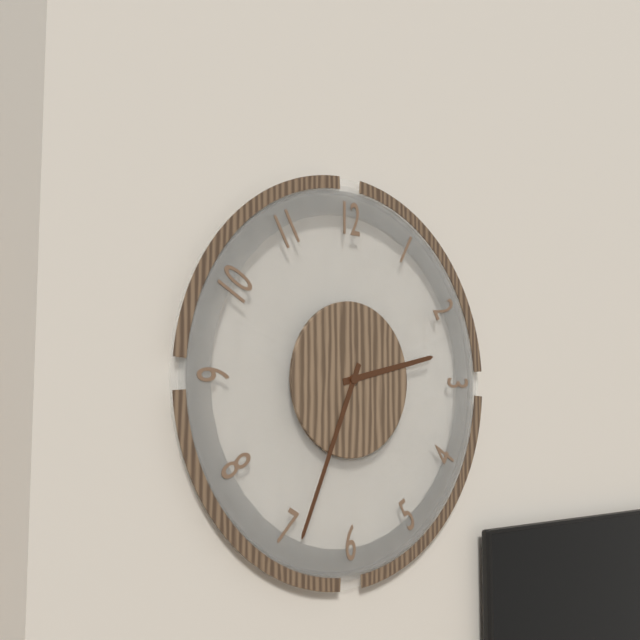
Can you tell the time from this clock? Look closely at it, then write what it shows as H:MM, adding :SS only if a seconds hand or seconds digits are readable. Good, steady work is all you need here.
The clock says 2:34
